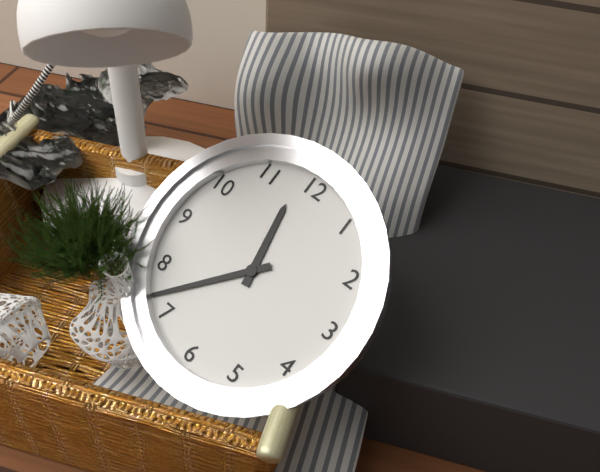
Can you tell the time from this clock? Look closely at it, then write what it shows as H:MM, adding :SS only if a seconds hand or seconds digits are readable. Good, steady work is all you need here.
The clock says 11:37
